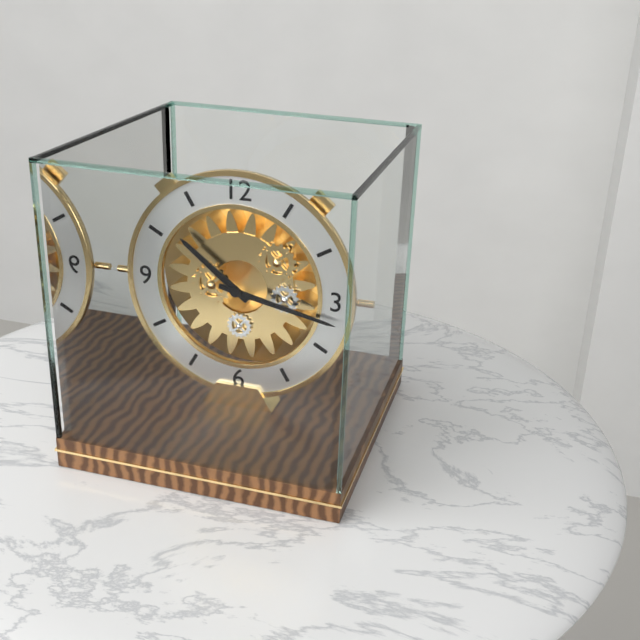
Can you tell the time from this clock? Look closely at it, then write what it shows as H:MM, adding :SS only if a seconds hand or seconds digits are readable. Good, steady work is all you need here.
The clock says 10:17
